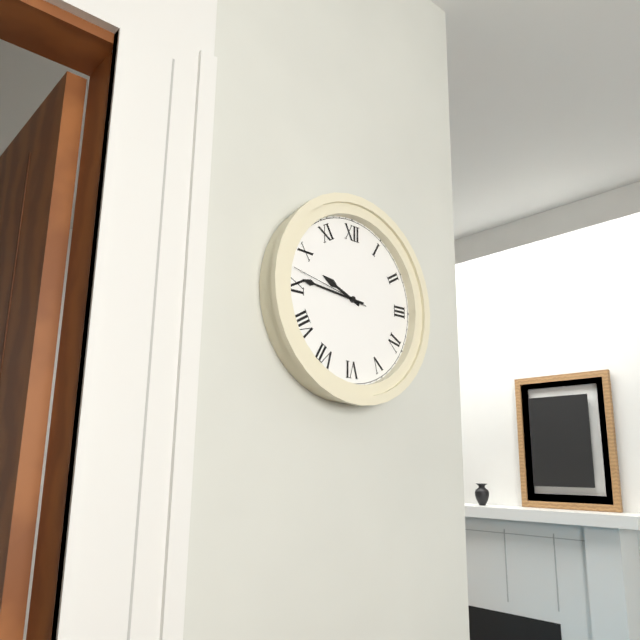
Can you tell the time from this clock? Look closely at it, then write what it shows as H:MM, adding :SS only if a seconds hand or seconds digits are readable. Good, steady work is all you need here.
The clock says 9:46:47
